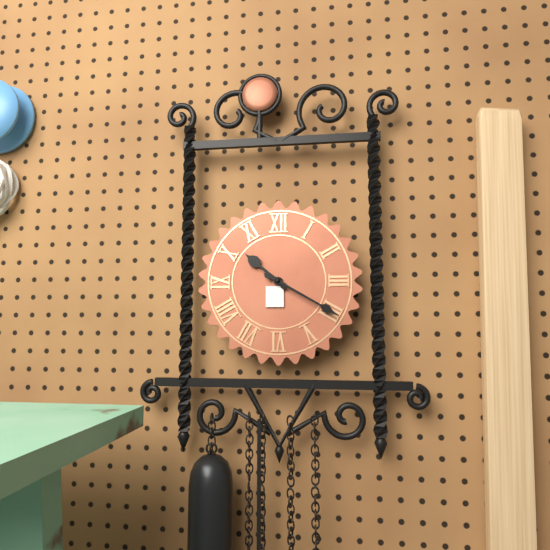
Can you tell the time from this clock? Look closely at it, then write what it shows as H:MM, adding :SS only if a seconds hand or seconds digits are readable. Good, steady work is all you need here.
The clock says 10:20
